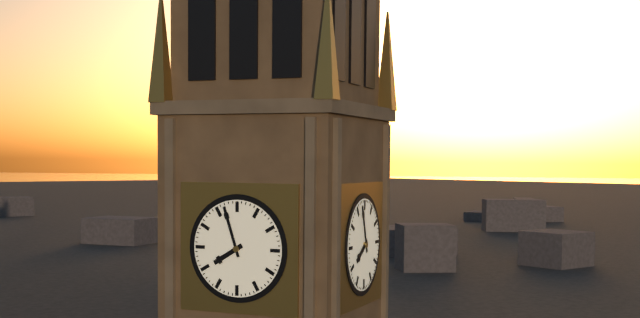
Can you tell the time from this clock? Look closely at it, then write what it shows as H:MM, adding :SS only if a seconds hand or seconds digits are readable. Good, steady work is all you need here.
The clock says 7:57
